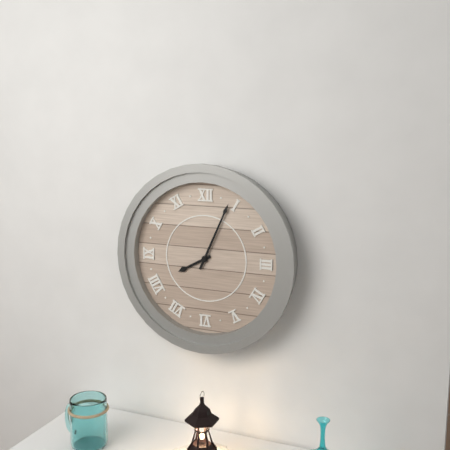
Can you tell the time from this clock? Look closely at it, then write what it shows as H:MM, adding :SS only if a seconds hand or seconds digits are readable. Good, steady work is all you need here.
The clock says 8:04
